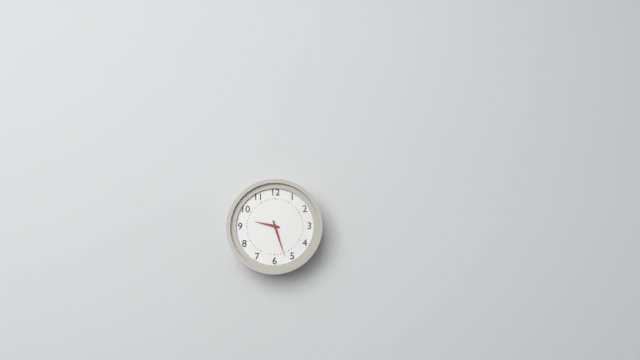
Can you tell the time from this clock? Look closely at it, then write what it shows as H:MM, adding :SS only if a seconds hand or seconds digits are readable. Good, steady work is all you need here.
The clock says 9:27
